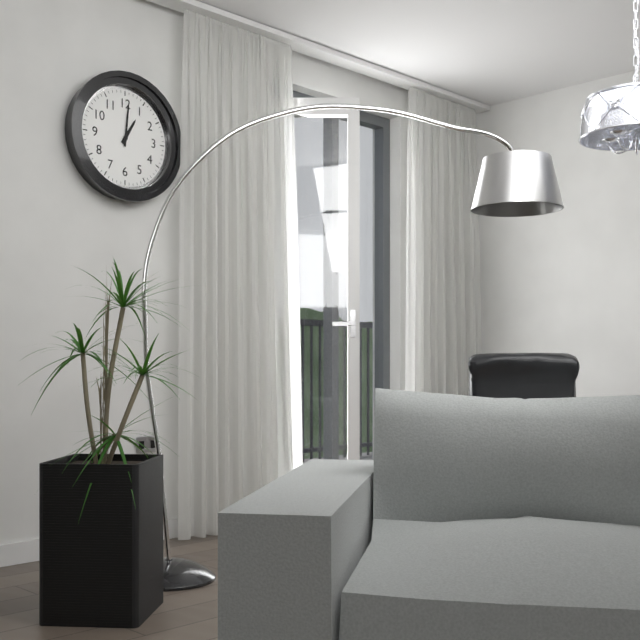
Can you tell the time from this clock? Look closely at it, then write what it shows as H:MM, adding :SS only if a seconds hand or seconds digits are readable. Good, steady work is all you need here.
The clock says 1:01
